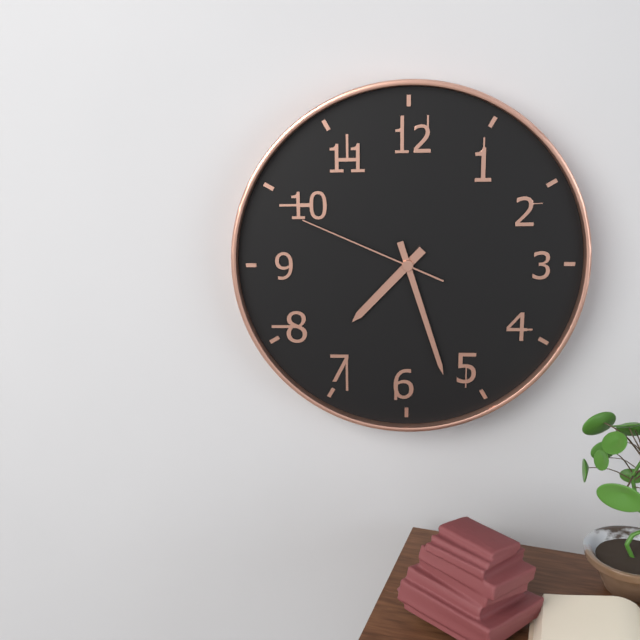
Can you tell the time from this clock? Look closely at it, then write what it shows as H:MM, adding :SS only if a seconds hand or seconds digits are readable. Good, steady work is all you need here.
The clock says 7:27:49
